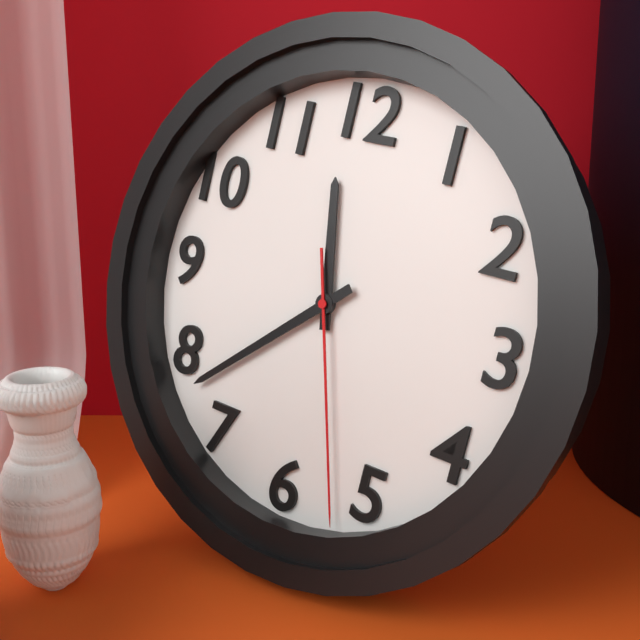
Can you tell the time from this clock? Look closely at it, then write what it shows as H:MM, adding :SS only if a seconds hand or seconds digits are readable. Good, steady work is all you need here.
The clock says 11:38:27
